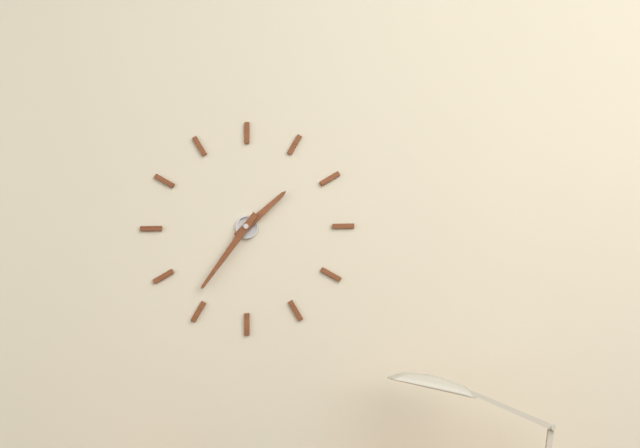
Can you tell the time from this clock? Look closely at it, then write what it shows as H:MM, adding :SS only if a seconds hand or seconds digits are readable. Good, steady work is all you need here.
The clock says 1:36
